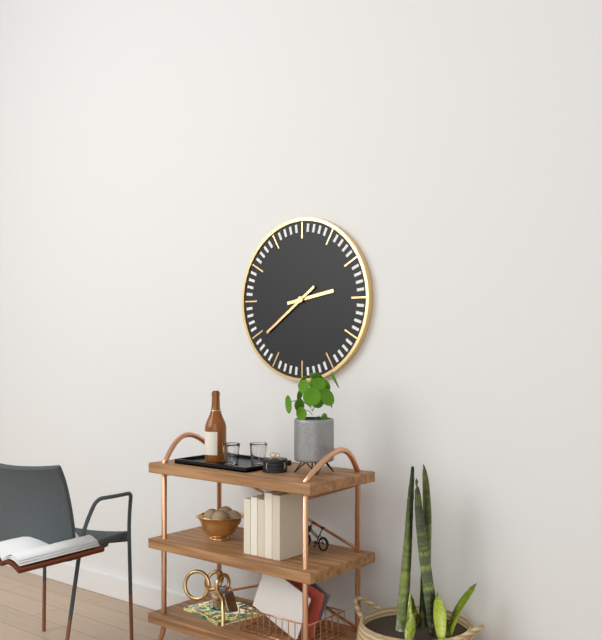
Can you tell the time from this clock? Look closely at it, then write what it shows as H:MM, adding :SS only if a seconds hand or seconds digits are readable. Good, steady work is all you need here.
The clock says 2:39
